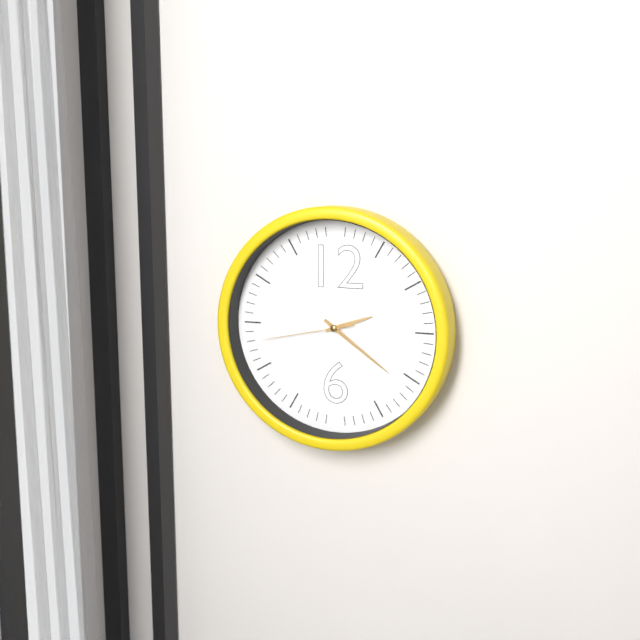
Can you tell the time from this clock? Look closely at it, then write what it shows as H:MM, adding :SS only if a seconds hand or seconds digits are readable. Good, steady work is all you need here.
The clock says 2:21:43
